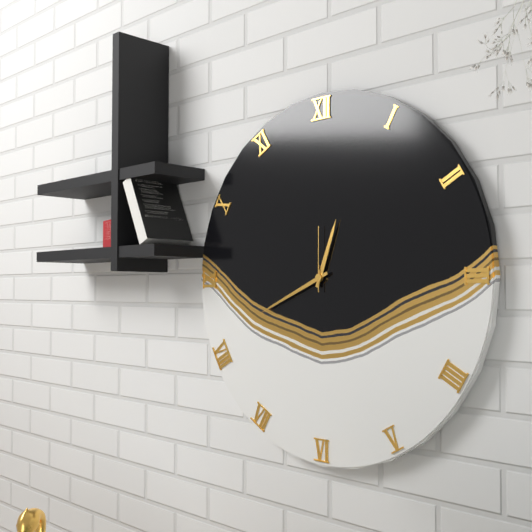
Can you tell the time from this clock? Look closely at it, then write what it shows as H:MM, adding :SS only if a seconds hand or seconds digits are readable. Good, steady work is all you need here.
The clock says 12:41:00
